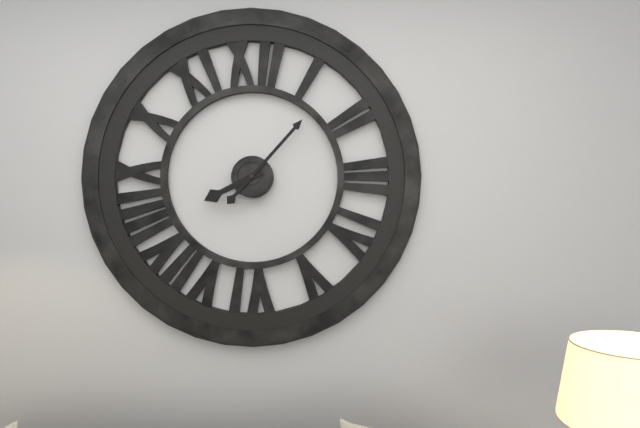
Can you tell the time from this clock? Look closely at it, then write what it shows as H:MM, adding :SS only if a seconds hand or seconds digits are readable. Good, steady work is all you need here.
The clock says 8:07
